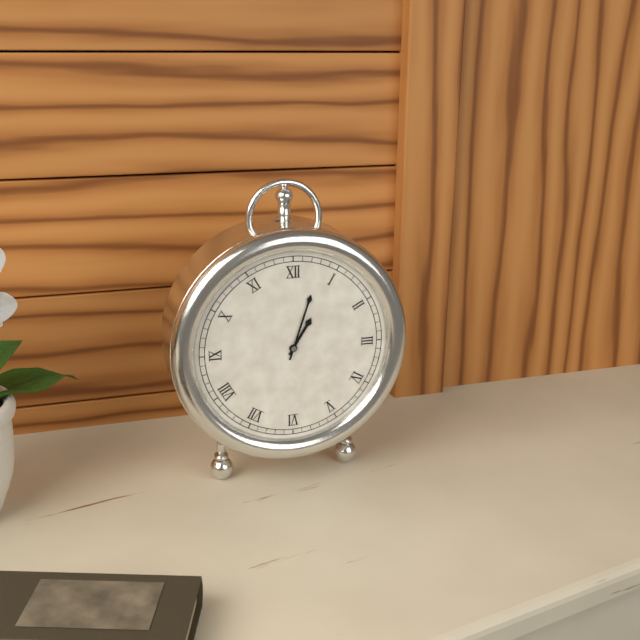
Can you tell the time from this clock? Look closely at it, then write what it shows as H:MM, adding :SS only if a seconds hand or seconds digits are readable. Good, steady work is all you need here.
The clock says 1:03
